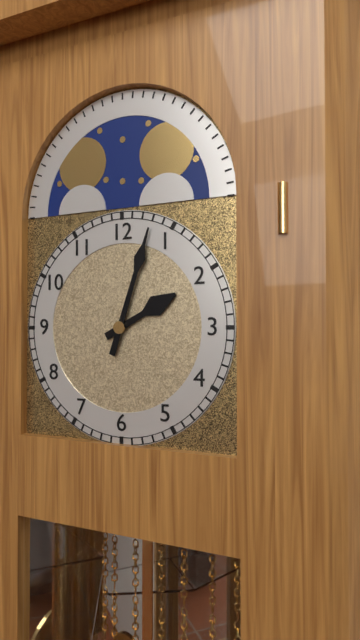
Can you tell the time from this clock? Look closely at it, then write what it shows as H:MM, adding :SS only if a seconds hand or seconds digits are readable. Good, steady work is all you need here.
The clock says 2:03
